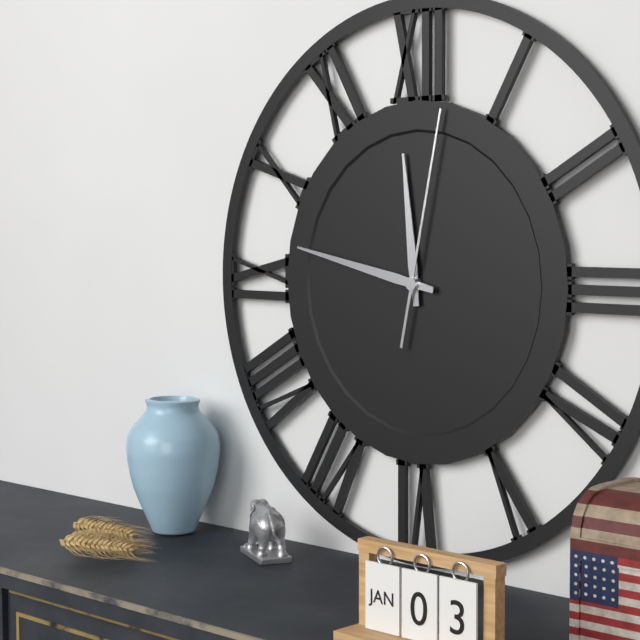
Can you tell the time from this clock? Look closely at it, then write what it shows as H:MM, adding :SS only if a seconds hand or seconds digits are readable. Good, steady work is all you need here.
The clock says 11:47:02
